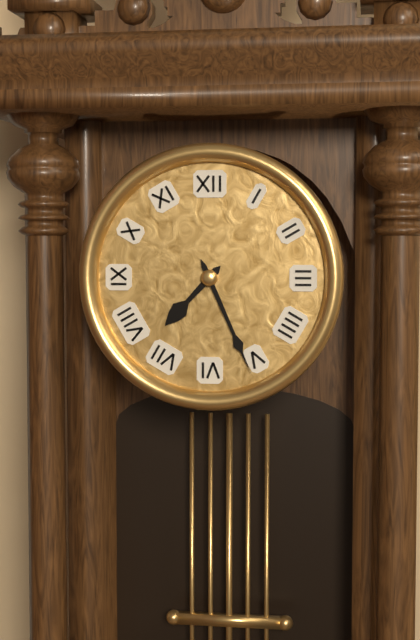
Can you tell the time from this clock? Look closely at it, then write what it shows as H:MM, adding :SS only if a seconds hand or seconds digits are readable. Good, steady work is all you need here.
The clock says 7:26
